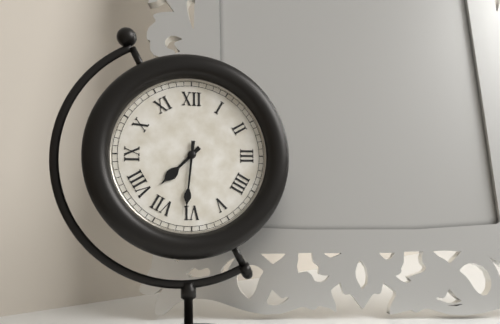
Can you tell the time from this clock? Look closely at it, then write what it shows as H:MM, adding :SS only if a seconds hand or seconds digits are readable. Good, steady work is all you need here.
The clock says 7:31
